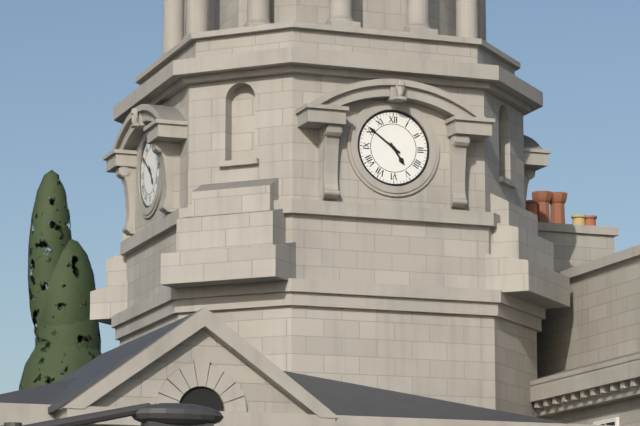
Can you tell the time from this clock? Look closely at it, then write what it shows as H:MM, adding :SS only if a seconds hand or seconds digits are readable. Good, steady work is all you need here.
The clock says 4:51
